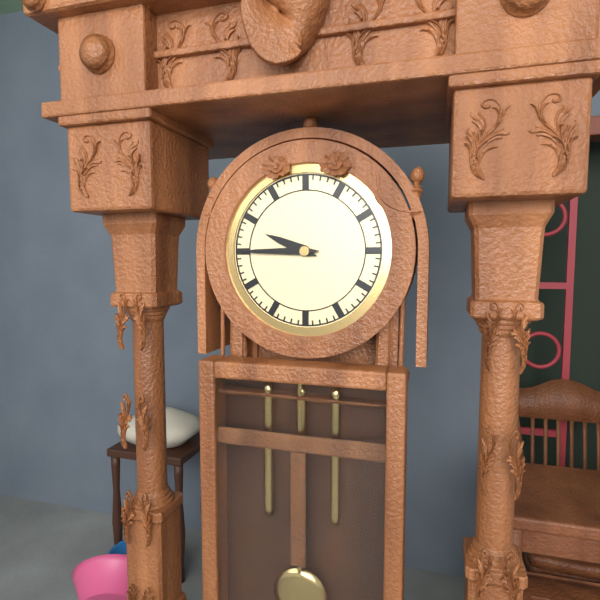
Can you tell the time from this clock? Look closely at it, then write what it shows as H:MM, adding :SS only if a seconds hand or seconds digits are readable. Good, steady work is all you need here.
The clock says 9:45
